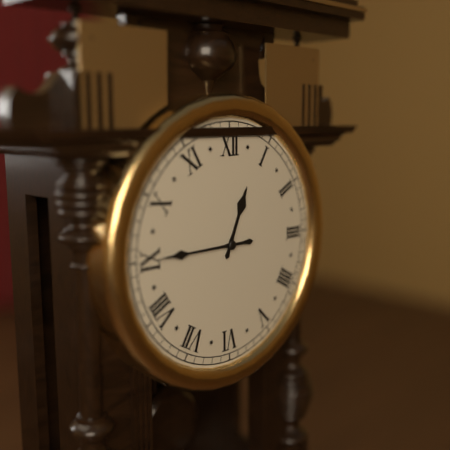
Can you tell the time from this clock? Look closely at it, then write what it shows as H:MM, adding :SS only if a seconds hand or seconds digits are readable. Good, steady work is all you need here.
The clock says 12:45
